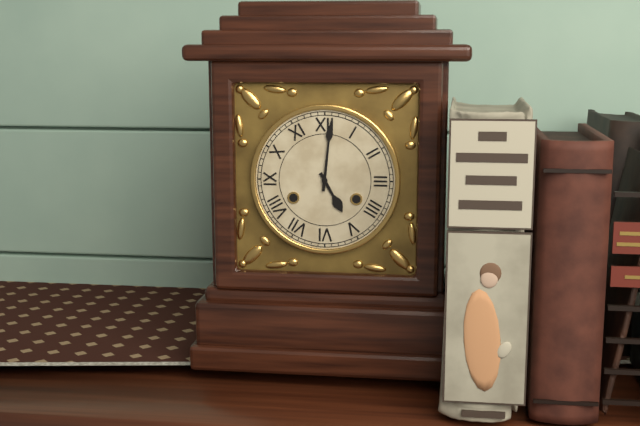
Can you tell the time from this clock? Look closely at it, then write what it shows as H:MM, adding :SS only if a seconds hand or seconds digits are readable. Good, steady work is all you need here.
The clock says 5:01
